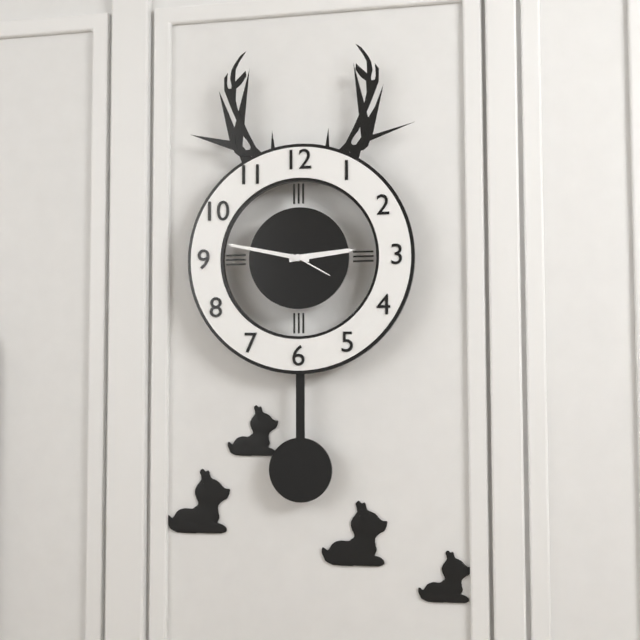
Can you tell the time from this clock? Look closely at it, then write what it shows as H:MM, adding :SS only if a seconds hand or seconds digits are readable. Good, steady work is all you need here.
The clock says 2:47
